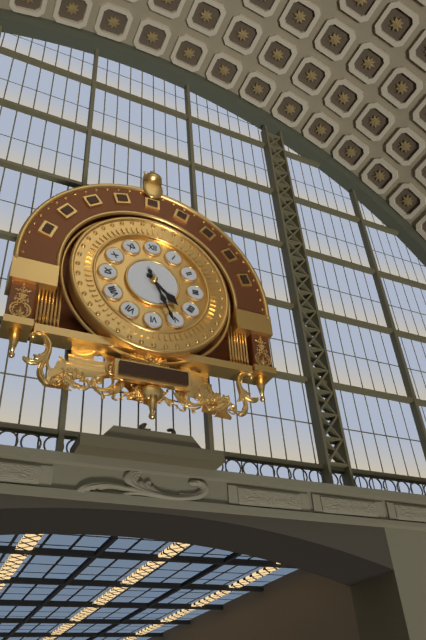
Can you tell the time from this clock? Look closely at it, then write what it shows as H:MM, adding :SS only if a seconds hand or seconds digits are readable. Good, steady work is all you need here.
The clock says 4:26
